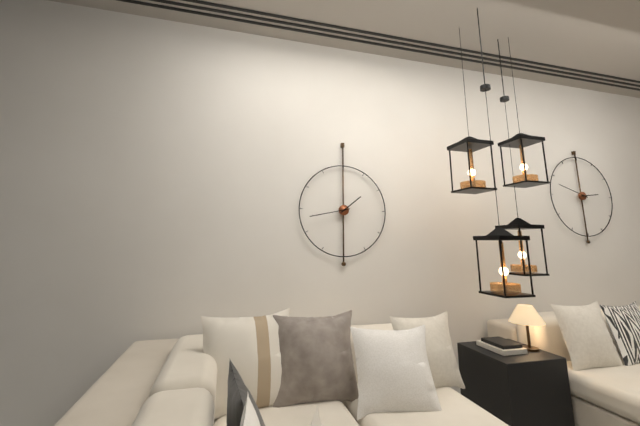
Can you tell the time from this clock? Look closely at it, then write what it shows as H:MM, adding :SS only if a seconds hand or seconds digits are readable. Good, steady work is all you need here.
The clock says 1:43
